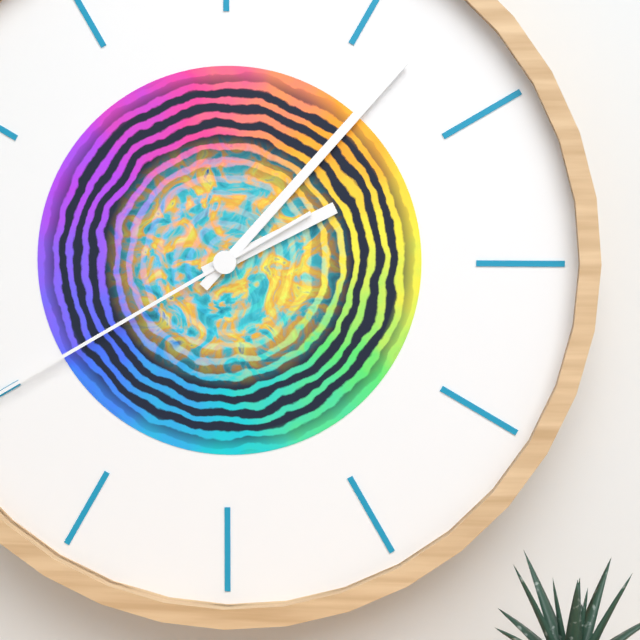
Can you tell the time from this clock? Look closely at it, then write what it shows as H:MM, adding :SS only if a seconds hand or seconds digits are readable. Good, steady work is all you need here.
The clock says 2:07
